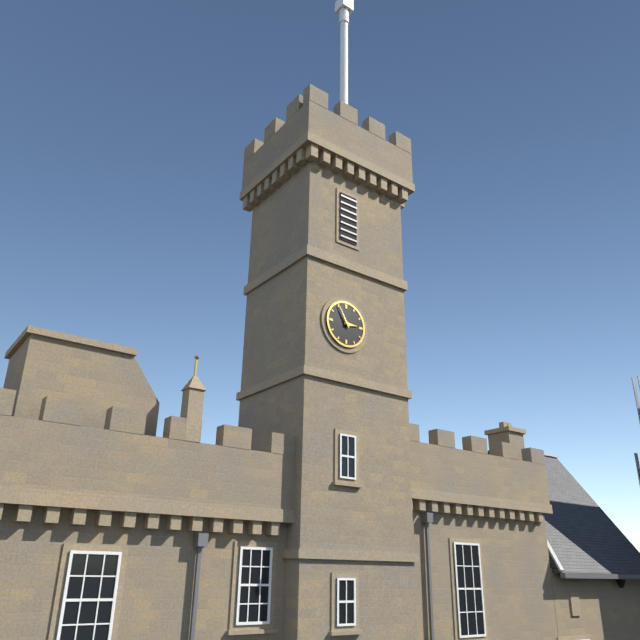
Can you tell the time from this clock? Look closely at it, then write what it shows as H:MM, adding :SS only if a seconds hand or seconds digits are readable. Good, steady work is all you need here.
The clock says 2:55
